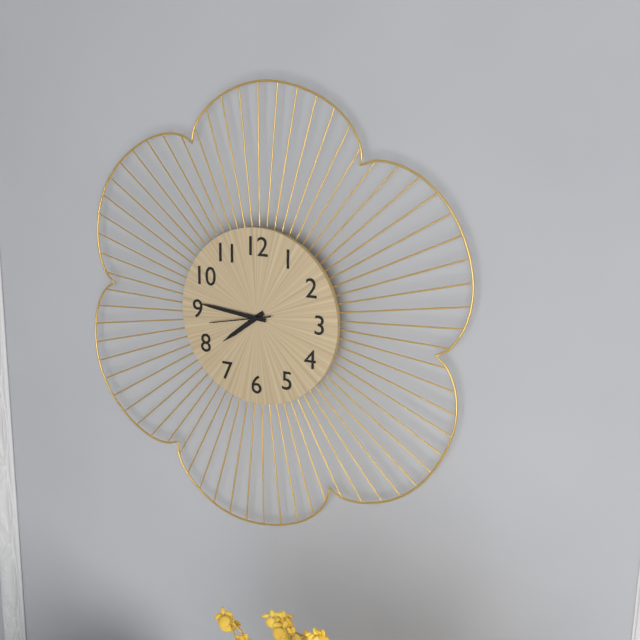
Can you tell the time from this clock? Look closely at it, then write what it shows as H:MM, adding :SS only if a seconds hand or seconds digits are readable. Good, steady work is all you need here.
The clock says 7:46:43
